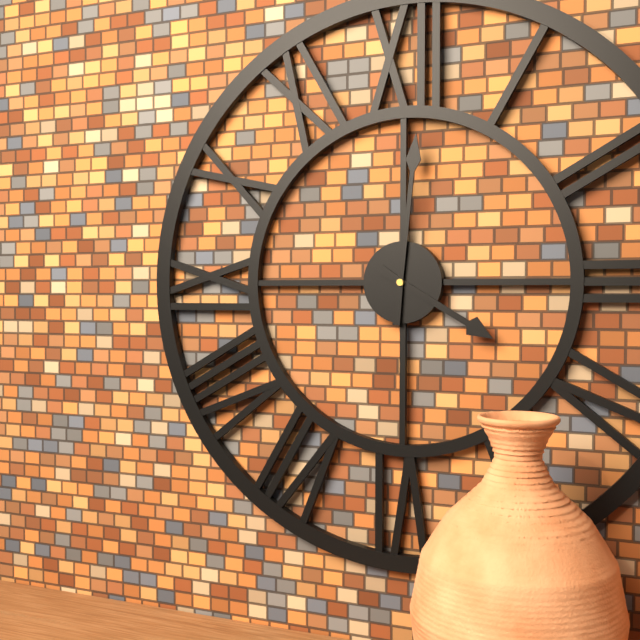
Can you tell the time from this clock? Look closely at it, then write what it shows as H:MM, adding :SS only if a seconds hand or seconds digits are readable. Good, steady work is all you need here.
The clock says 4:01
